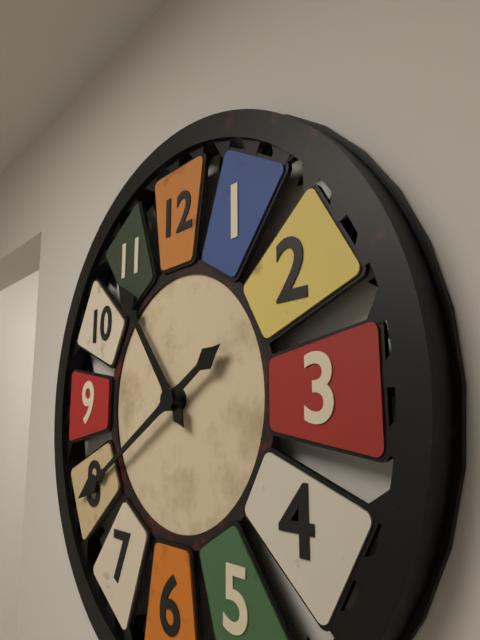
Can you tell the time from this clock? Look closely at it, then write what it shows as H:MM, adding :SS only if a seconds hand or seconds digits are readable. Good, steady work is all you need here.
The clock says 10:40
